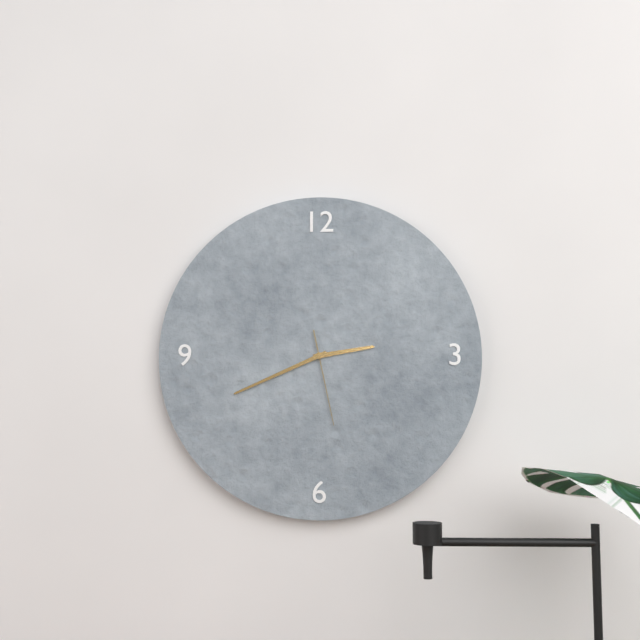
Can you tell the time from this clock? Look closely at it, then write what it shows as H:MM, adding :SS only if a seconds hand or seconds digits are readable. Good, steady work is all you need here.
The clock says 2:41:28
